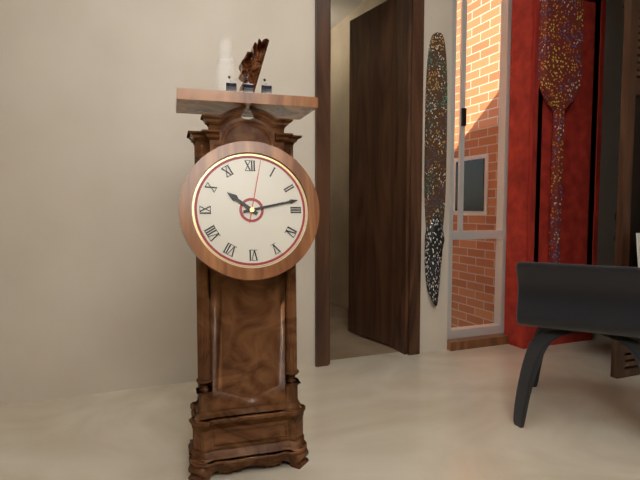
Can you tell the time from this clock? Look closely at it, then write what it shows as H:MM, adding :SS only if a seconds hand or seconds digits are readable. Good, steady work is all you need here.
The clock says 10:13:02
